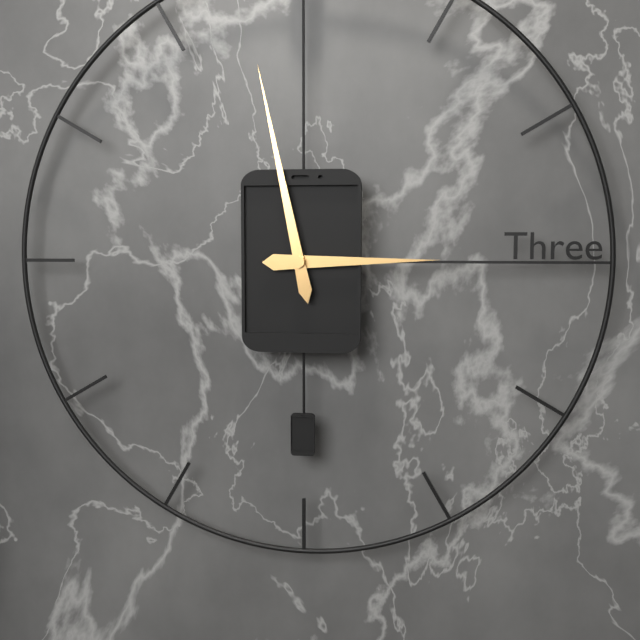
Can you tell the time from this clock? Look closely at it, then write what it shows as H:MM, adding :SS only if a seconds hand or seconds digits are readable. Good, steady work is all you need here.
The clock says 2:58
